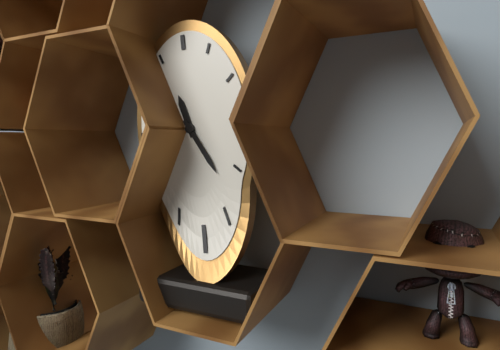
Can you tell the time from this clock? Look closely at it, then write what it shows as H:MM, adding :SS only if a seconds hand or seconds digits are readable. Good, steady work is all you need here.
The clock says 11:25
